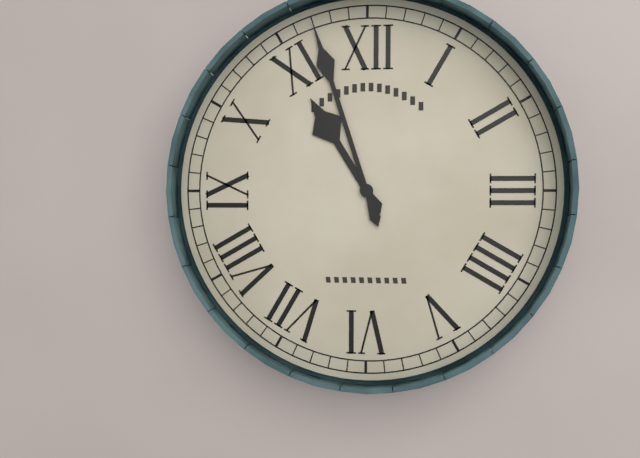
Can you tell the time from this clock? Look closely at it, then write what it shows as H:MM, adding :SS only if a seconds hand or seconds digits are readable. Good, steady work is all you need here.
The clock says 10:57
